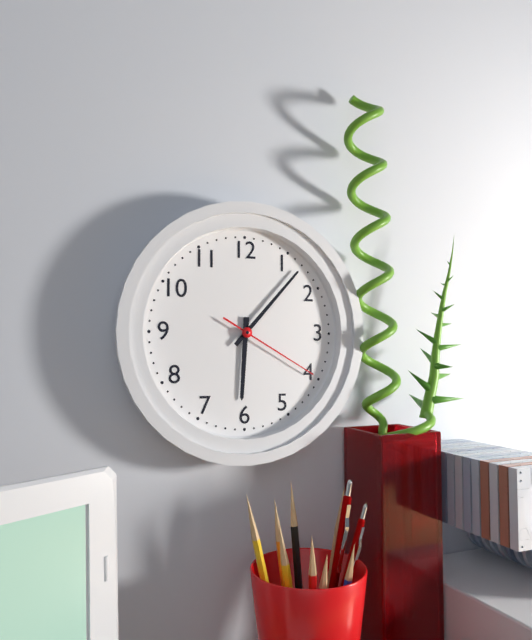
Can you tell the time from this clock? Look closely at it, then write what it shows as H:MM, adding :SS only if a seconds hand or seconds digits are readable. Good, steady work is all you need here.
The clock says 6:07:20
